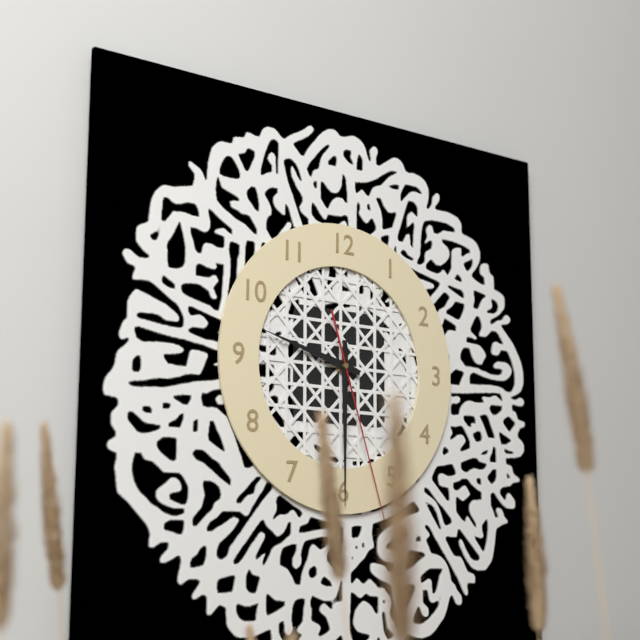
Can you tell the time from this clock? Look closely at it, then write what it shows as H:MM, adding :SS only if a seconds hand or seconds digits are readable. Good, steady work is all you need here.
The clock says 9:30:27
